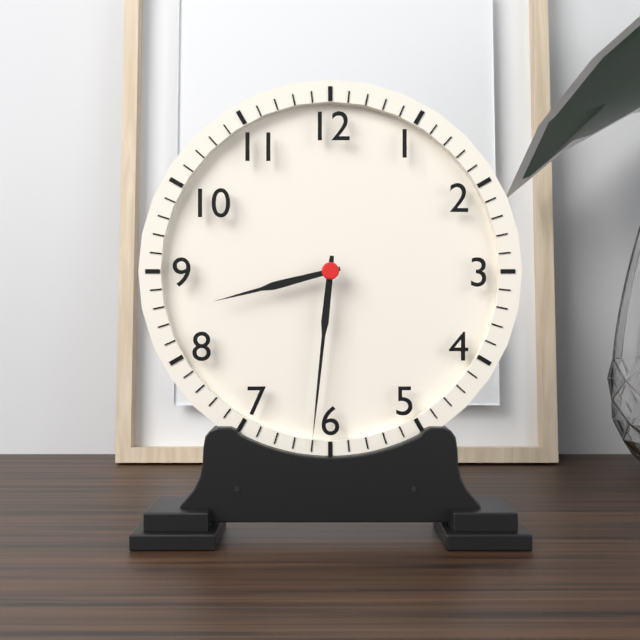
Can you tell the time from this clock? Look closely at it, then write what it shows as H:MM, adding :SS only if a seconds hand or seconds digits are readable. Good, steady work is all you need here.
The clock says 8:31
